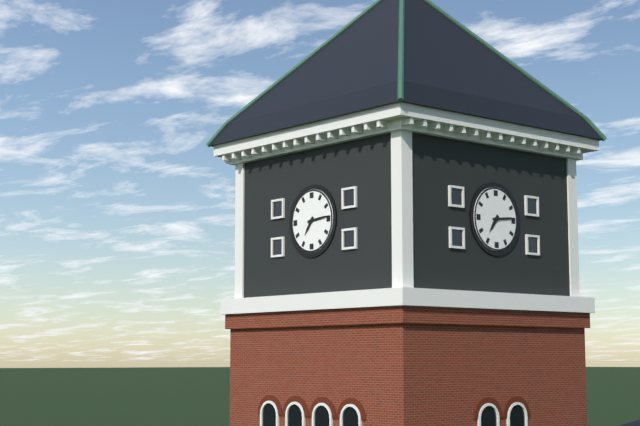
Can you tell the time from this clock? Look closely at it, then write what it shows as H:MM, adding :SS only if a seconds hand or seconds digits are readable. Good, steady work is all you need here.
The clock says 7:14
